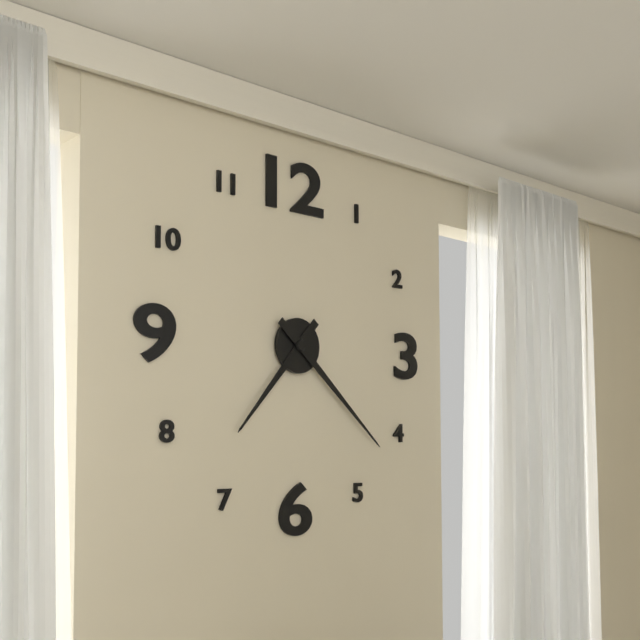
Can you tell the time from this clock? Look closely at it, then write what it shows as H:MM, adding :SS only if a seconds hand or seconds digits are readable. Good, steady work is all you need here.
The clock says 7:22
